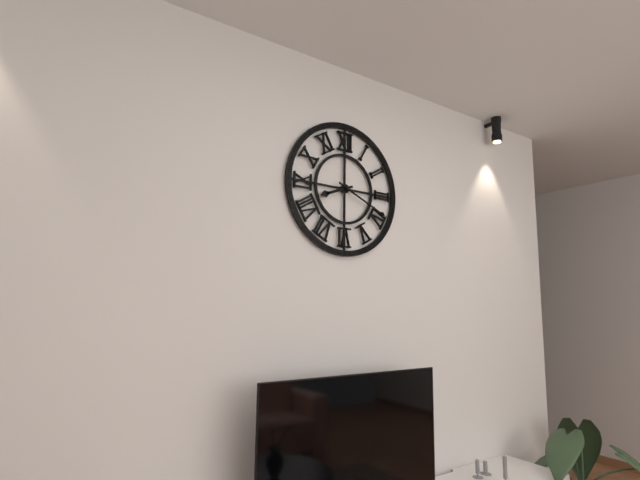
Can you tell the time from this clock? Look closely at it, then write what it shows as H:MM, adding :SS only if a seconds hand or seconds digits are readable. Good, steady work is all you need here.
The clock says 8:19
